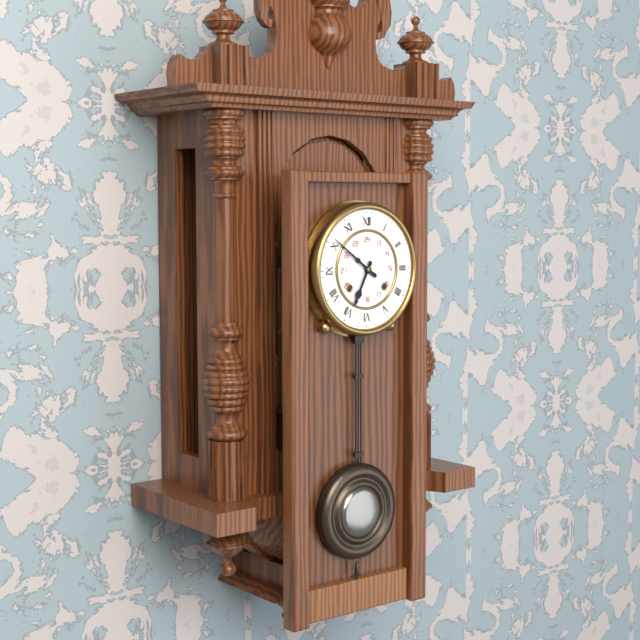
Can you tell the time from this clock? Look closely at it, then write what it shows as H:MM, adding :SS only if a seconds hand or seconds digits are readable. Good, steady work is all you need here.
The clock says 6:51
